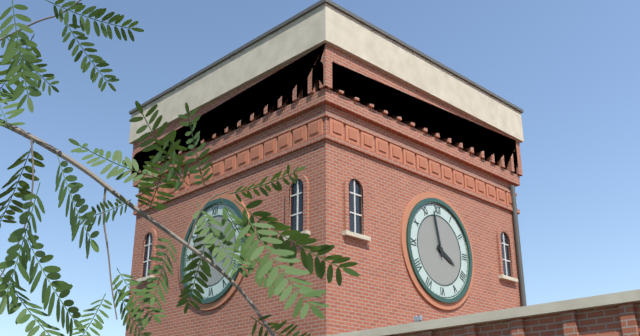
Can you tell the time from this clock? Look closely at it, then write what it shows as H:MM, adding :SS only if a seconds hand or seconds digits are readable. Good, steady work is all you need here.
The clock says 3:58
